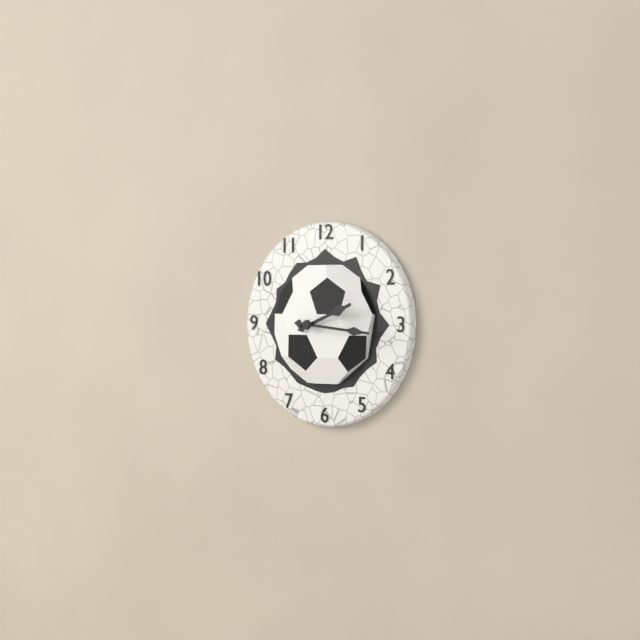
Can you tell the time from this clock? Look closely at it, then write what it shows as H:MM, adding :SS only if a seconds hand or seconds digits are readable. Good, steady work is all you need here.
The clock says 2:16
